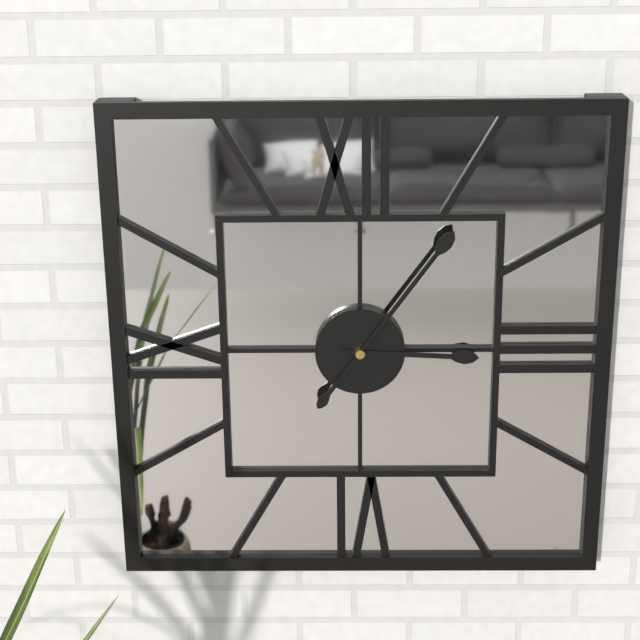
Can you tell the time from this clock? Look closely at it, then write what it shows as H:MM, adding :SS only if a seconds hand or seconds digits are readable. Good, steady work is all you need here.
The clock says 3:06
